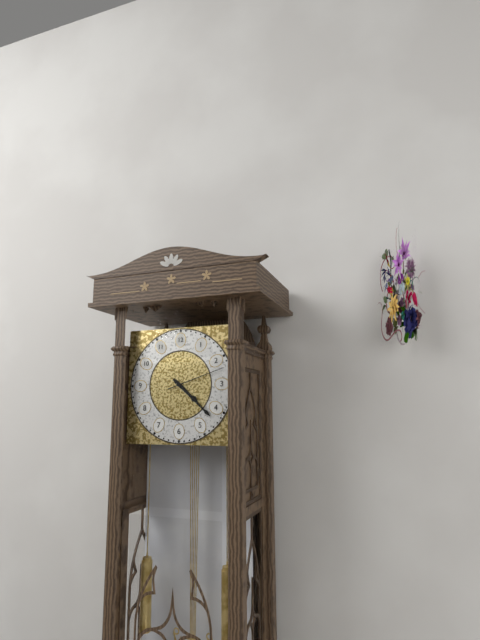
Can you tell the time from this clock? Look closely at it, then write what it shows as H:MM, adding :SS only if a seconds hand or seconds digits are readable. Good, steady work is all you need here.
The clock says 4:22:12
